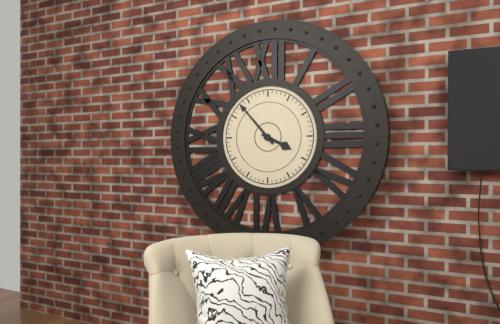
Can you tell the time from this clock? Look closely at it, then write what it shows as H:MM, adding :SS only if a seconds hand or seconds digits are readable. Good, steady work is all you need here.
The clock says 3:53
